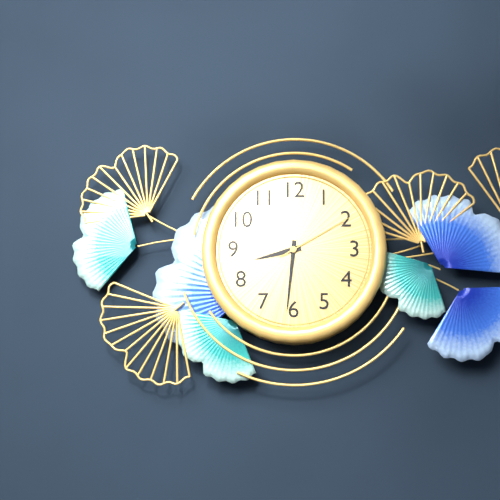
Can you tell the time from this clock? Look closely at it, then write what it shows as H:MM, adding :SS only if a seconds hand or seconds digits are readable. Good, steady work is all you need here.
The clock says 8:31:10
